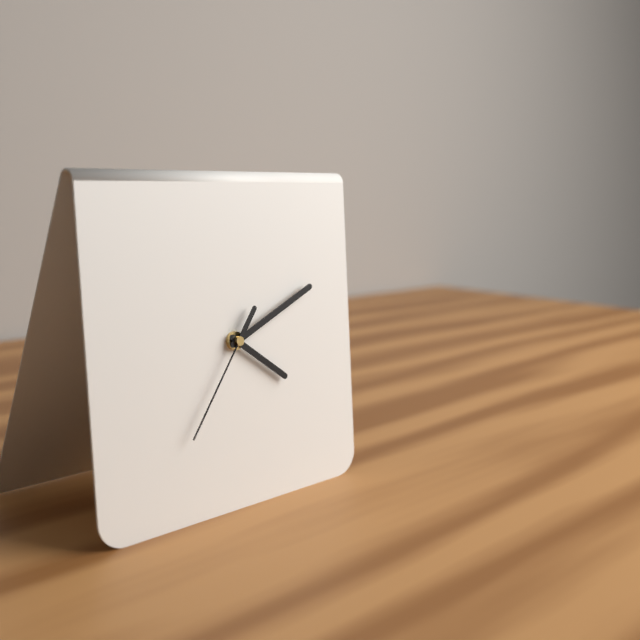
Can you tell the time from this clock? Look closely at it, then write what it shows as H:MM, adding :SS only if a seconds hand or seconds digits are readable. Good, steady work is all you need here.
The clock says 4:11:36
